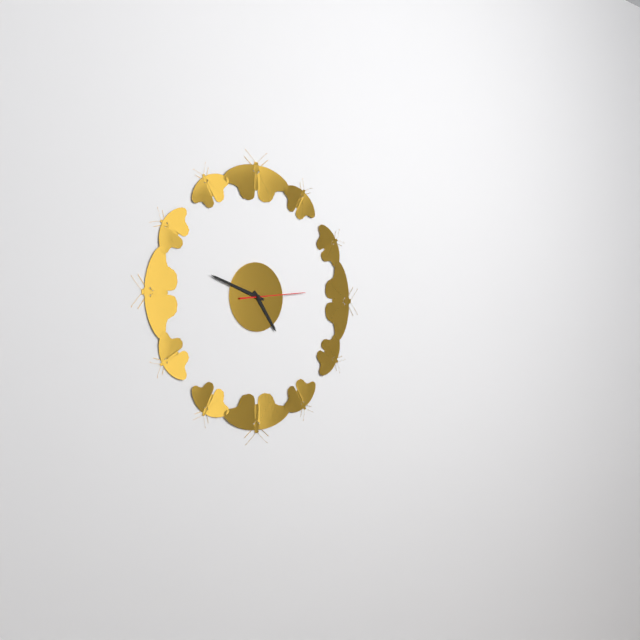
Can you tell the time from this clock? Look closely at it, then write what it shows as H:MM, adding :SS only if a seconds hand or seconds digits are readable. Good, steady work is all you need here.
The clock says 4:48:14
